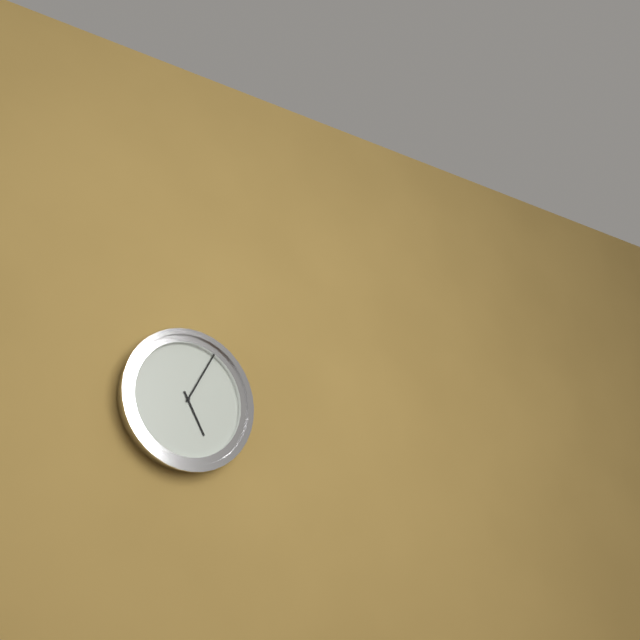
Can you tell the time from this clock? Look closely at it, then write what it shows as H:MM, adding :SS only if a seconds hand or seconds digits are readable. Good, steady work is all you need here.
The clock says 5:05
